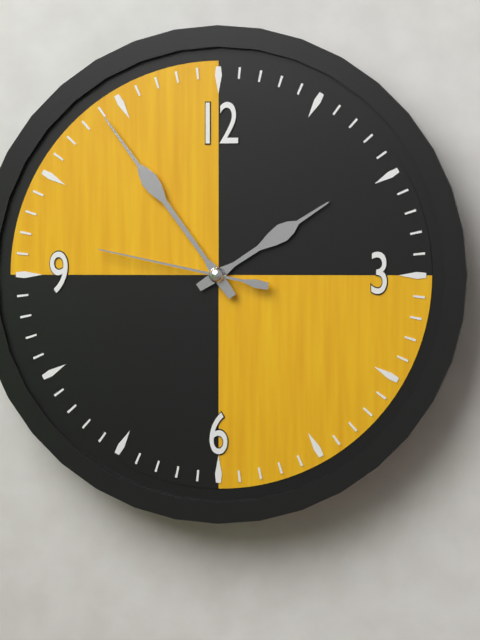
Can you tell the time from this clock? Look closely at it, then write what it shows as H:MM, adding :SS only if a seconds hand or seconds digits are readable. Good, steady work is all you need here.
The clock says 1:54:47
